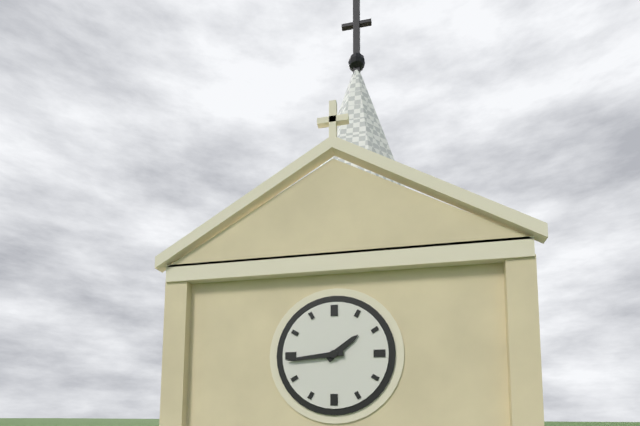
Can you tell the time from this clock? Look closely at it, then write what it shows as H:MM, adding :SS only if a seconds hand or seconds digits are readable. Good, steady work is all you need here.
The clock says 1:44
